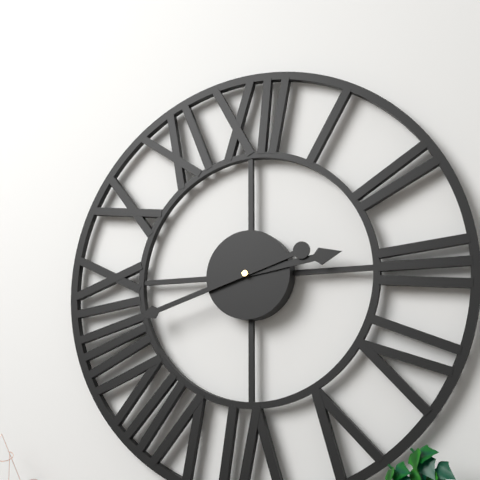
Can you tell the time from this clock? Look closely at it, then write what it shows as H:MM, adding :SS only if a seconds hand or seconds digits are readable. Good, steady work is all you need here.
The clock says 2:42
